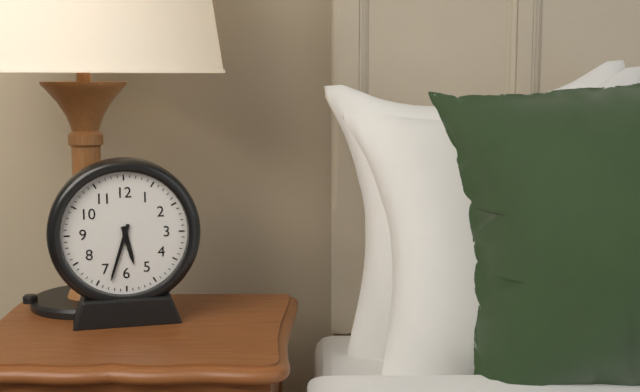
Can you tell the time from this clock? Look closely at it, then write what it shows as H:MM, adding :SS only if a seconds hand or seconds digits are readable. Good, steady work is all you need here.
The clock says 5:33
